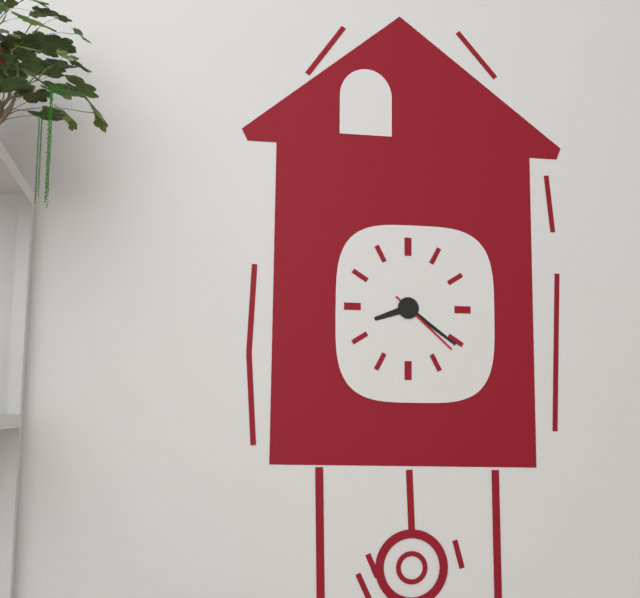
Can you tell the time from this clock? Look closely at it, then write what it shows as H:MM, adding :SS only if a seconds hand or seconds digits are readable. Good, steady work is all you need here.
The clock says 8:21:22
